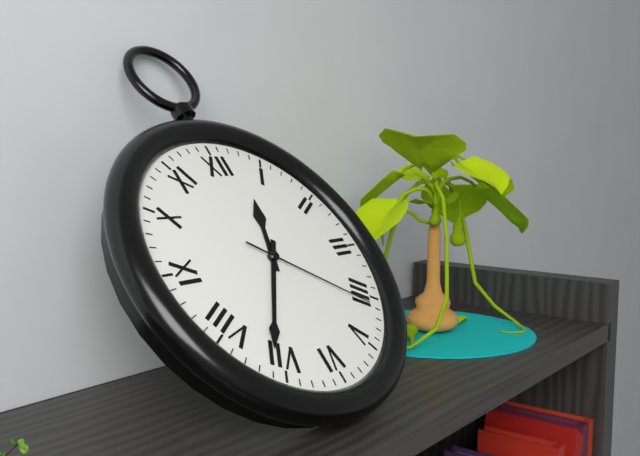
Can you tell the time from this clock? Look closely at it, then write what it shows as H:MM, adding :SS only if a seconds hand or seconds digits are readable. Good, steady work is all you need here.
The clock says 12:36:21
